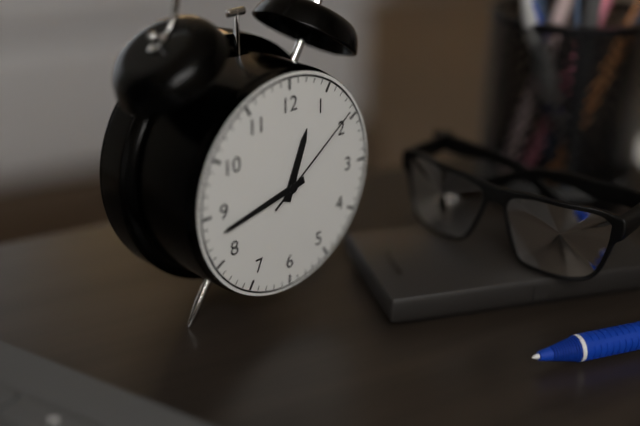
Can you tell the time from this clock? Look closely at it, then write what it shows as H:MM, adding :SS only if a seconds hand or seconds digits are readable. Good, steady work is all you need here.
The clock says 12:43:09
